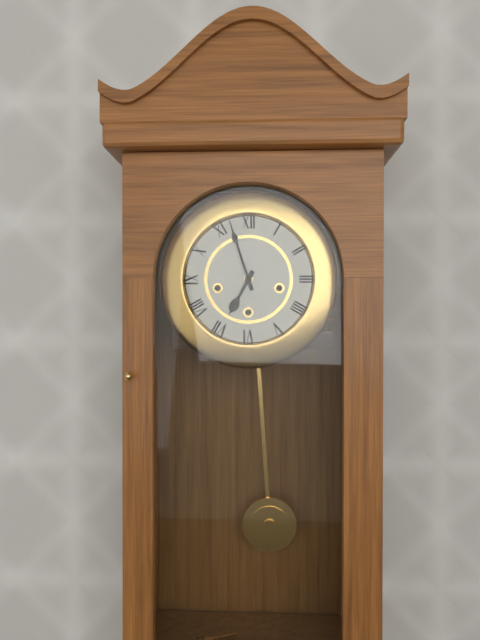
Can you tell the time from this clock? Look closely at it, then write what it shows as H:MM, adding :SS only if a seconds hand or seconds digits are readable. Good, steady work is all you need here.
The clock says 6:57
